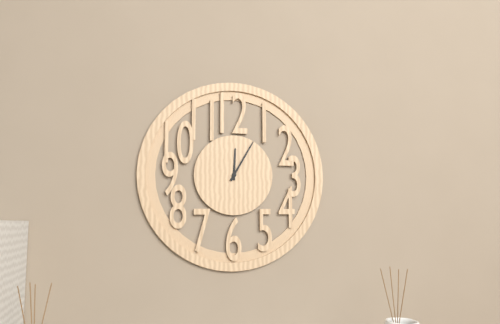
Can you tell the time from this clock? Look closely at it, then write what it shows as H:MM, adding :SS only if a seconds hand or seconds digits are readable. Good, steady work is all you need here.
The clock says 12:05
